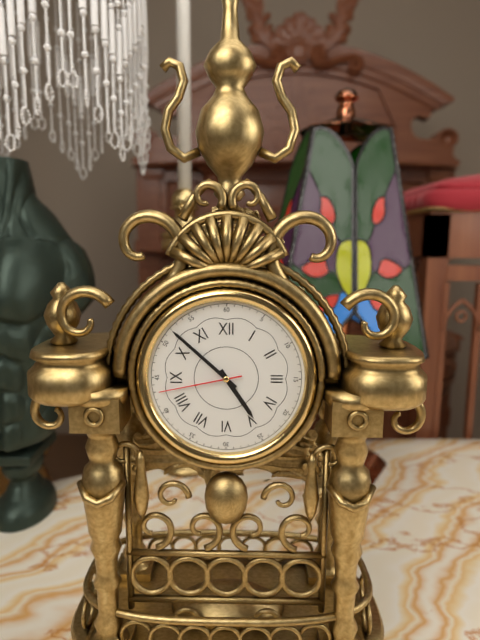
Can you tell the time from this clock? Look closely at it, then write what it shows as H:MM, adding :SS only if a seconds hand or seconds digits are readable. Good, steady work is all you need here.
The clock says 4:52:43
